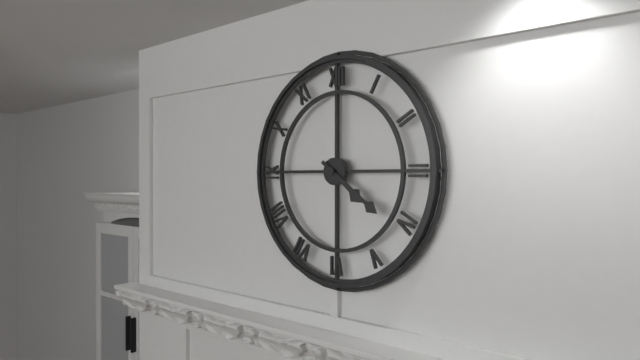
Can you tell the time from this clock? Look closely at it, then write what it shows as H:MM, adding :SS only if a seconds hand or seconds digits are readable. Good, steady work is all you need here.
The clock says 4:21
